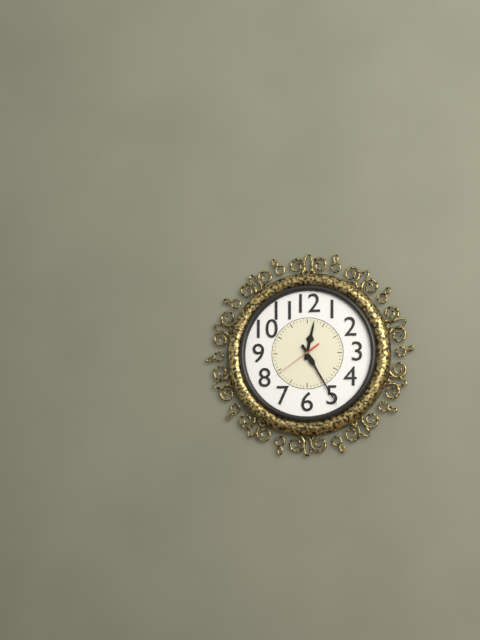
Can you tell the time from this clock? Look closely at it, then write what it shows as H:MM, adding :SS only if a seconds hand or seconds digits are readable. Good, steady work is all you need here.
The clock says 12:25
